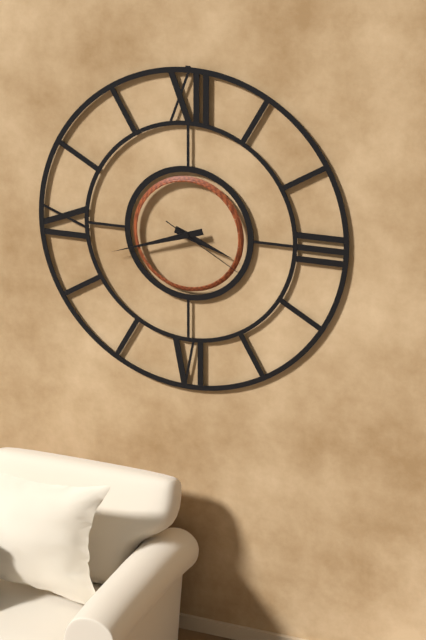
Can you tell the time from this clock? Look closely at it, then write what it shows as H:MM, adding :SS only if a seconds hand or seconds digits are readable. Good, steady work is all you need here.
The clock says 3:42:20
